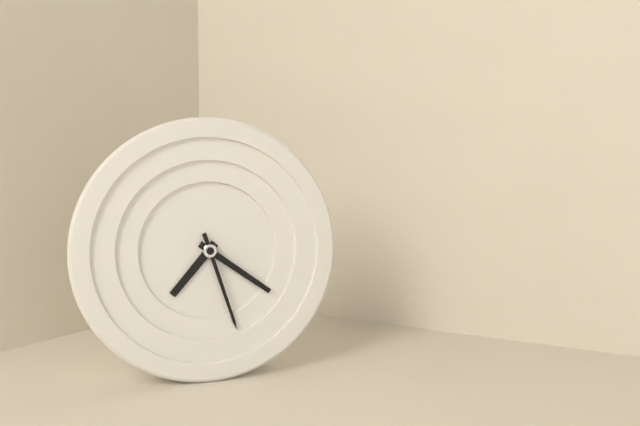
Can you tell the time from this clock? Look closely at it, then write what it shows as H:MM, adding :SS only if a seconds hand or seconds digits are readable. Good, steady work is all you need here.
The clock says 7:21:27
